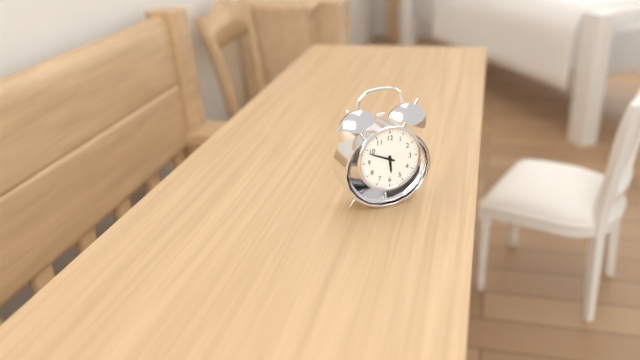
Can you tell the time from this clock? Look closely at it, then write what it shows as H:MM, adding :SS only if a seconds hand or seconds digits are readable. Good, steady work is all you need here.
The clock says 5:49
